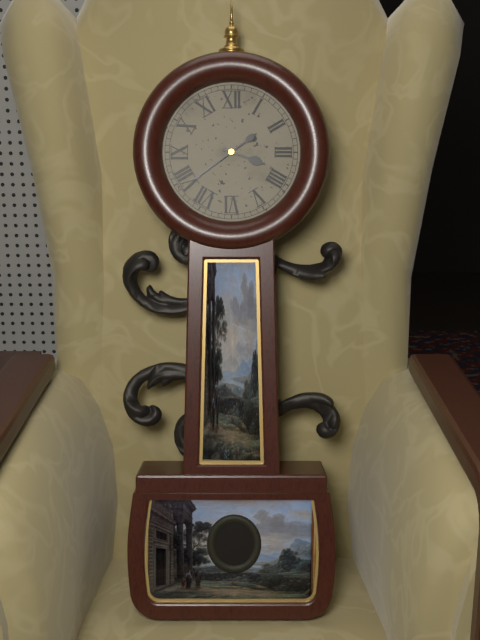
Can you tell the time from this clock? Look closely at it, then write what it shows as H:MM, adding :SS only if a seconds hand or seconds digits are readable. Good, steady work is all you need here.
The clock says 3:39
